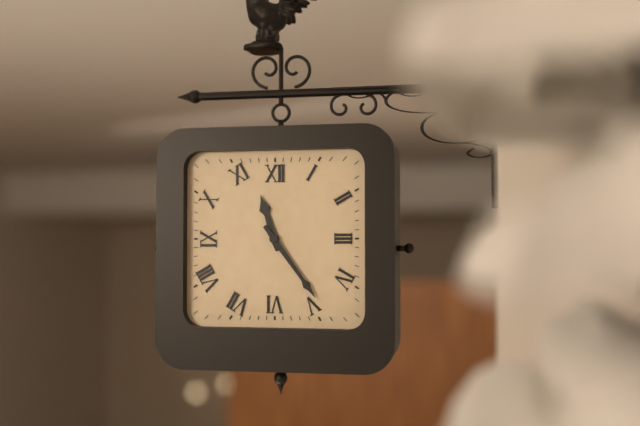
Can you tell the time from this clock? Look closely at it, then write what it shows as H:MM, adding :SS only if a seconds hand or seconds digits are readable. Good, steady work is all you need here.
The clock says 11:24
